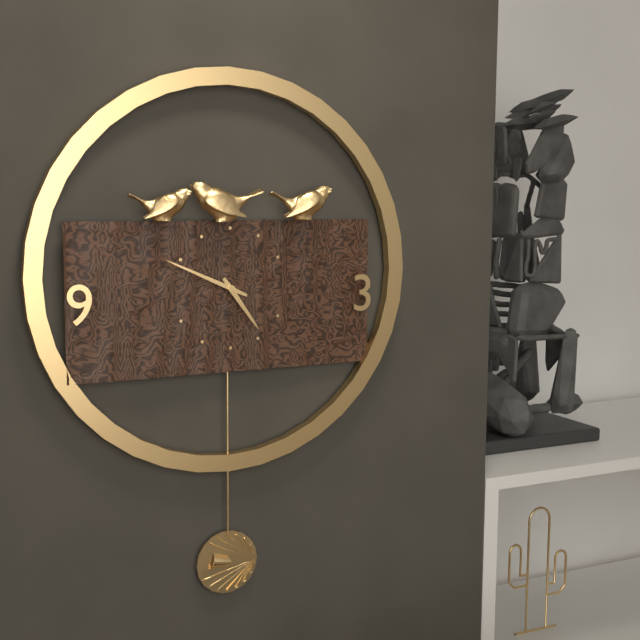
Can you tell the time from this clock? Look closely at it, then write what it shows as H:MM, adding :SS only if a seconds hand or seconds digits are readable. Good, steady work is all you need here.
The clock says 4:49
